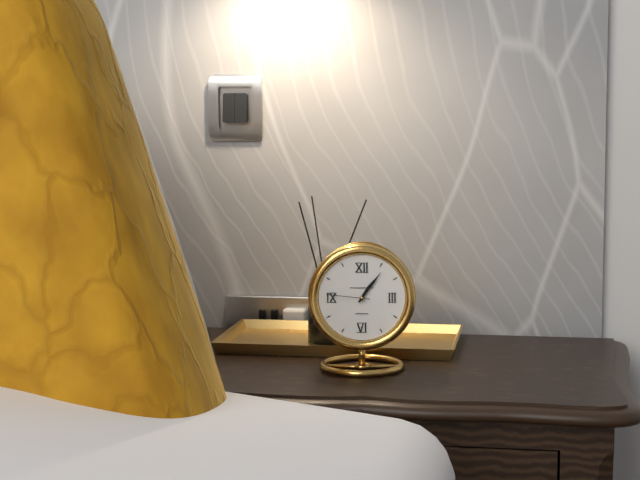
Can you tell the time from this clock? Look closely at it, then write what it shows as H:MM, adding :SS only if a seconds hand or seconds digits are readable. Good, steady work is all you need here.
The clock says 1:06
